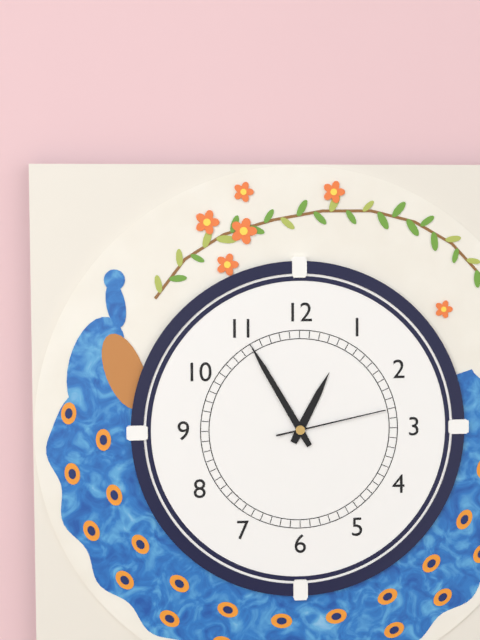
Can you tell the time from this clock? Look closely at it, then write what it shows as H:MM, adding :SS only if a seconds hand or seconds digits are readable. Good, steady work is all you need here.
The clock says 12:55:13
